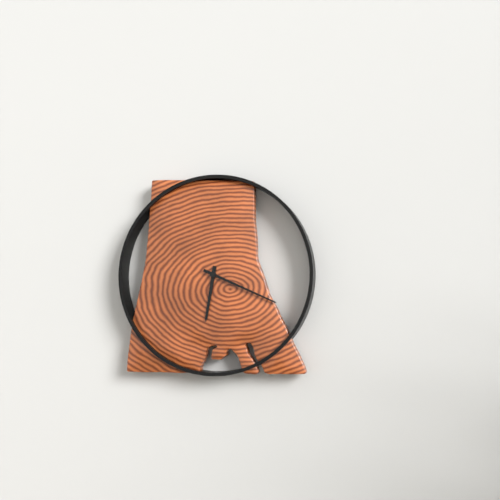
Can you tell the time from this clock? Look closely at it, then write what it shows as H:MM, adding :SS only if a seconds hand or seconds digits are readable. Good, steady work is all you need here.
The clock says 6:19
